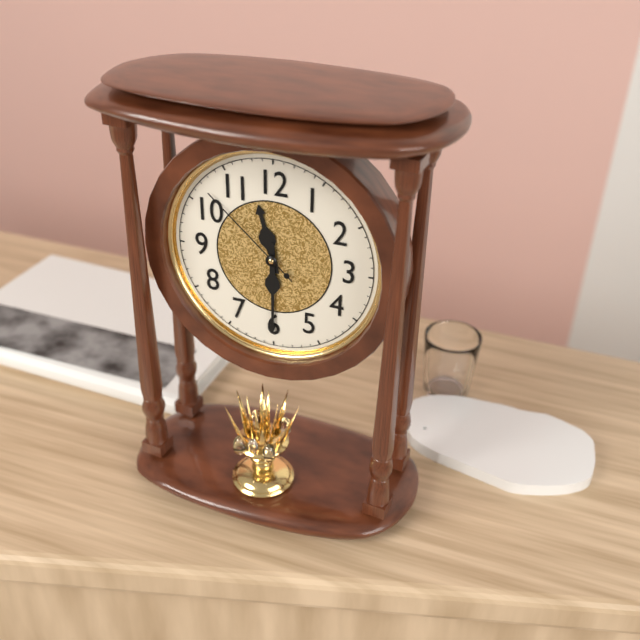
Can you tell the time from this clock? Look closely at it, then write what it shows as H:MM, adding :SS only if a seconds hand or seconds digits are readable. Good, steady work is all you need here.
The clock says 11:30:52
